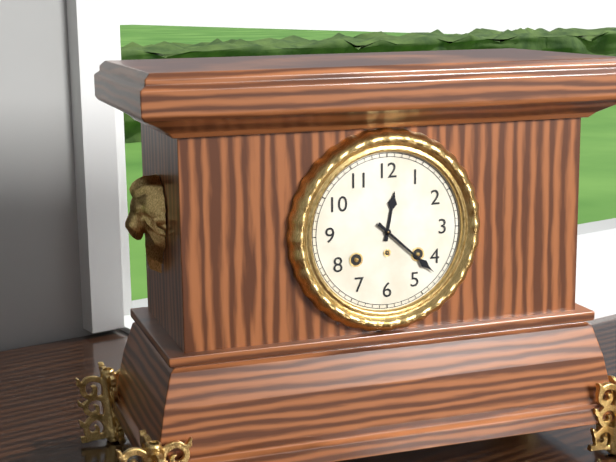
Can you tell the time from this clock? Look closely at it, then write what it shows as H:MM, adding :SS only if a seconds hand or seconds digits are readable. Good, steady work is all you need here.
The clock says 12:22
